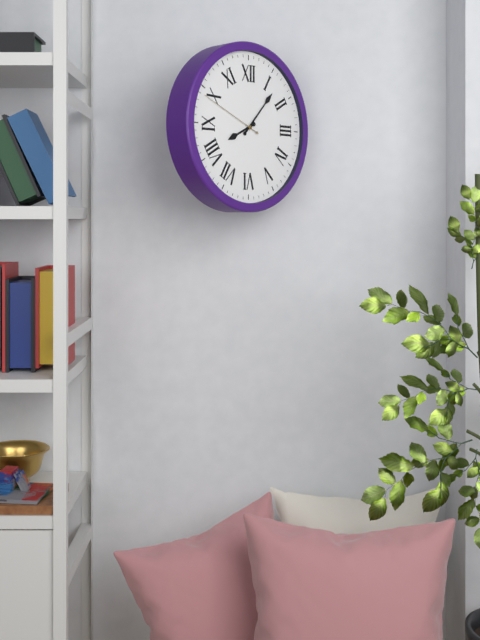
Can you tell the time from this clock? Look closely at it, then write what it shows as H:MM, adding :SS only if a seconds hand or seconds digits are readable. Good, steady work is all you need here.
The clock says 8:07:49
